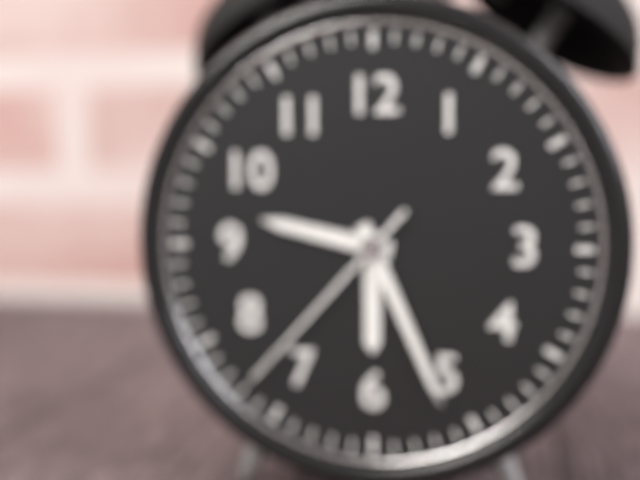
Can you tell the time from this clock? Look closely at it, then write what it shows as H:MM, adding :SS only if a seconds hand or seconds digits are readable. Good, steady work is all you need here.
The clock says 9:26:37
